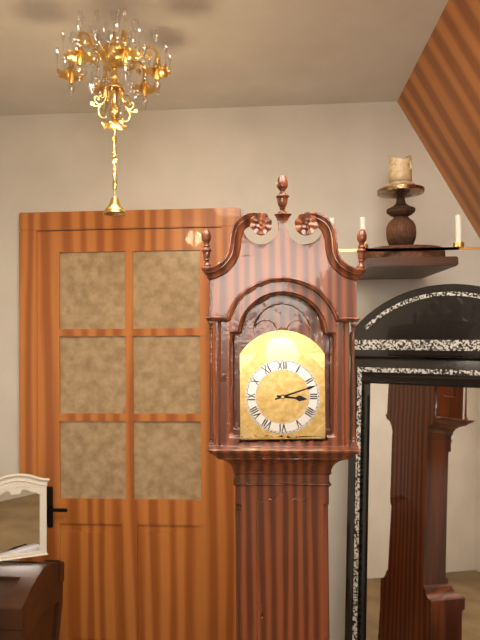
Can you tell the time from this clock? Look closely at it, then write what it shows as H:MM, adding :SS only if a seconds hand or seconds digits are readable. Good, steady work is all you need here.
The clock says 3:12
